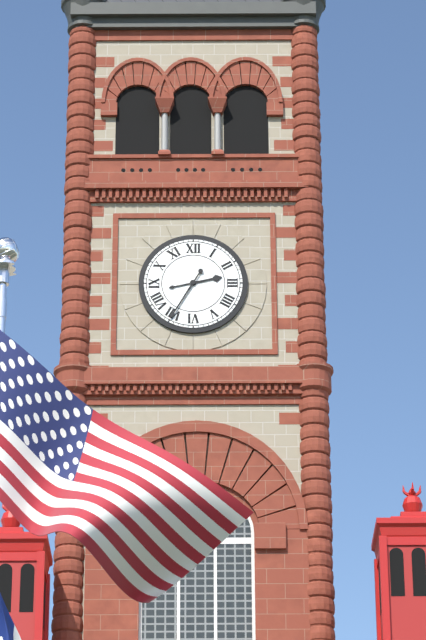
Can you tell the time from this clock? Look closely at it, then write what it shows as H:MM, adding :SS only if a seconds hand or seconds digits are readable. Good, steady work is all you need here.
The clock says 2:35
